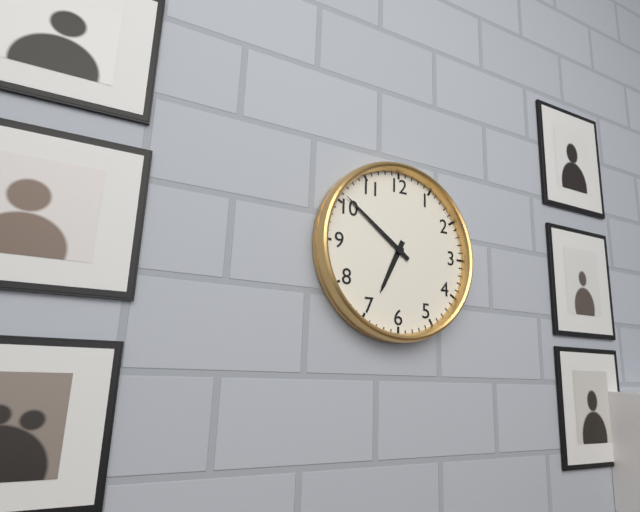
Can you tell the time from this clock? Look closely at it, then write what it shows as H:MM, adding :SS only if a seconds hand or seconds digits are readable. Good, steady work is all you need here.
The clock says 6:51
